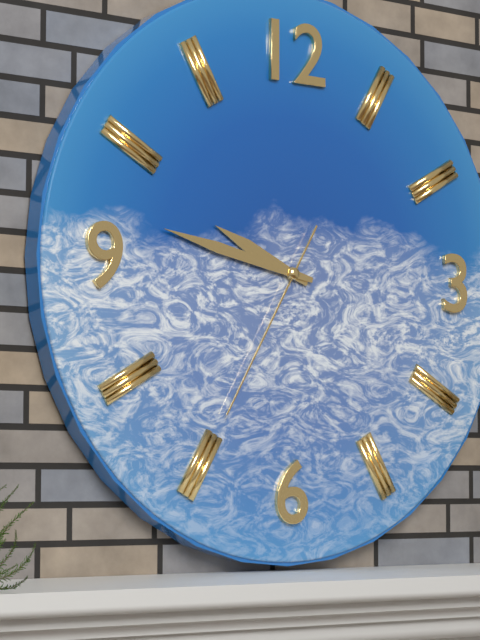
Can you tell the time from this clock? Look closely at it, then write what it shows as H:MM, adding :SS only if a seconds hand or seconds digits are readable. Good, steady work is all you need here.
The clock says 9:47:35
